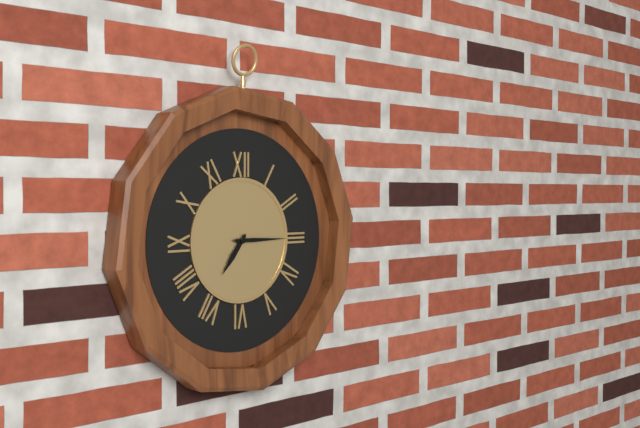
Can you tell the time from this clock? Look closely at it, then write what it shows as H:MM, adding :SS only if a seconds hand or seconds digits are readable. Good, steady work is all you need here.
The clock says 7:15
